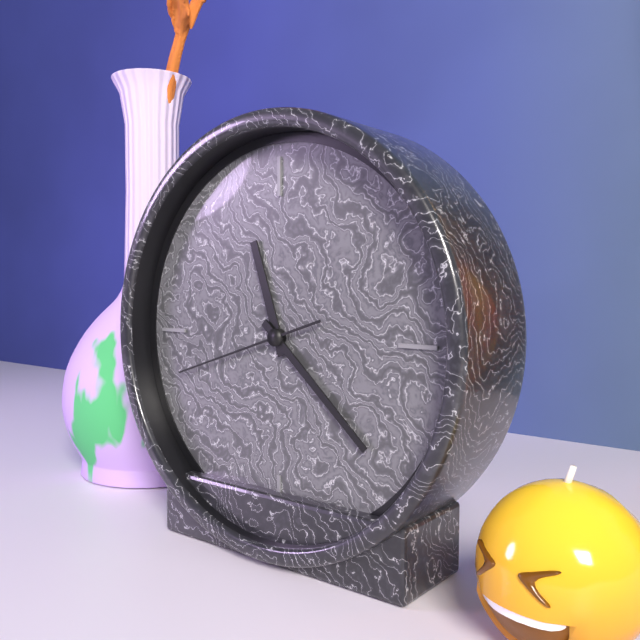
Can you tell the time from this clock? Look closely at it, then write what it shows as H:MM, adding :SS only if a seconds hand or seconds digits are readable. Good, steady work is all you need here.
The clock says 11:22:42
